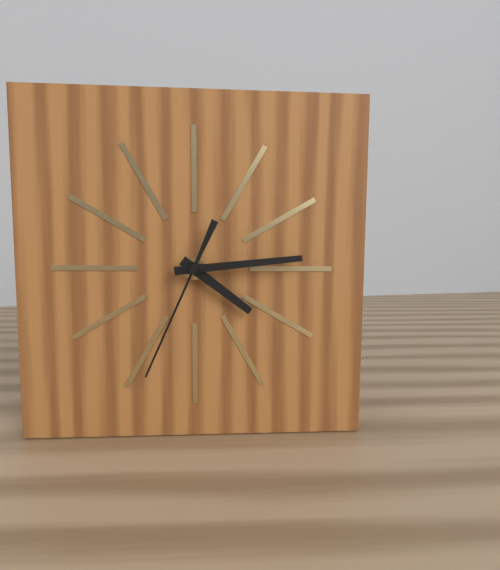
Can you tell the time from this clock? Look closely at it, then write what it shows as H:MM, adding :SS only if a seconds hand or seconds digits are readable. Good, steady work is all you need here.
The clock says 4:14:34
